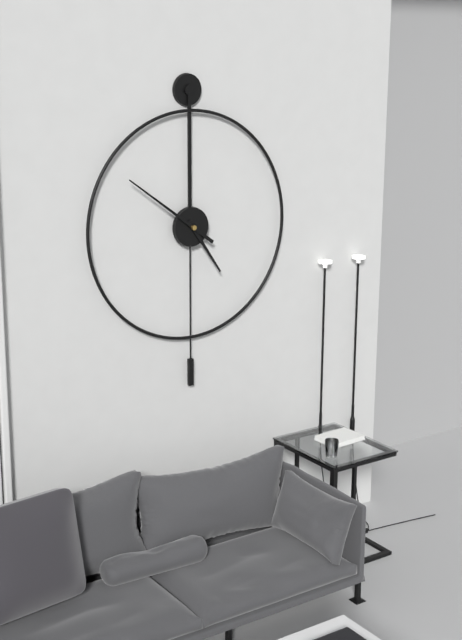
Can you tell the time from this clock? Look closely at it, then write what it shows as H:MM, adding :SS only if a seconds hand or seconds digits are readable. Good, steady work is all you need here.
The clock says 4:51
